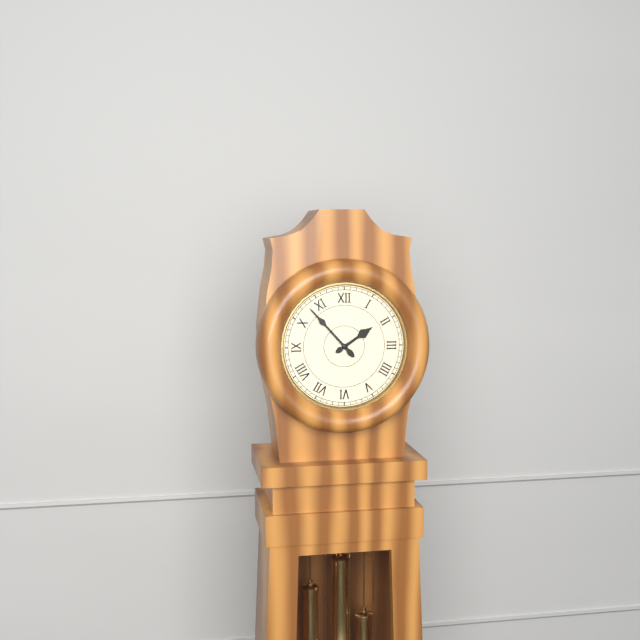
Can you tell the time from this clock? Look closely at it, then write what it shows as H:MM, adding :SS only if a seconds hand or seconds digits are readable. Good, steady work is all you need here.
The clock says 1:53
